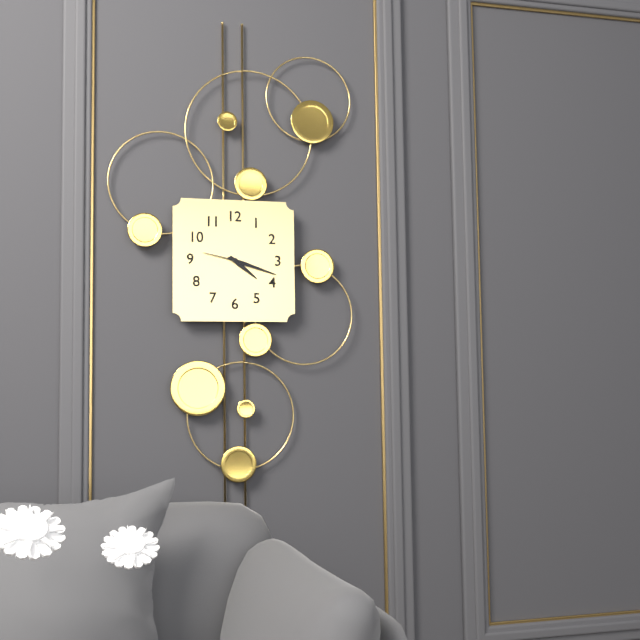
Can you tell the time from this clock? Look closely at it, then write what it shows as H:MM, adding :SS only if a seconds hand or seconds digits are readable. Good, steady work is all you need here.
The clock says 4:18
